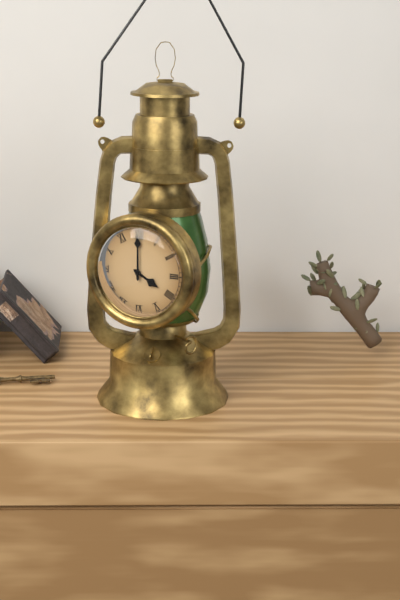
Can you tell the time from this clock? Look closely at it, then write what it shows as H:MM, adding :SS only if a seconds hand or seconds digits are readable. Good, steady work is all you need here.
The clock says 4:00
